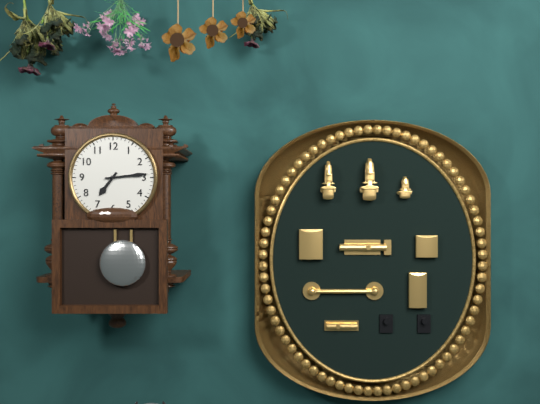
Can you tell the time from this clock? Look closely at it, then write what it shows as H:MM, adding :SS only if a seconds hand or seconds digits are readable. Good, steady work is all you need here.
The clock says 7:14
